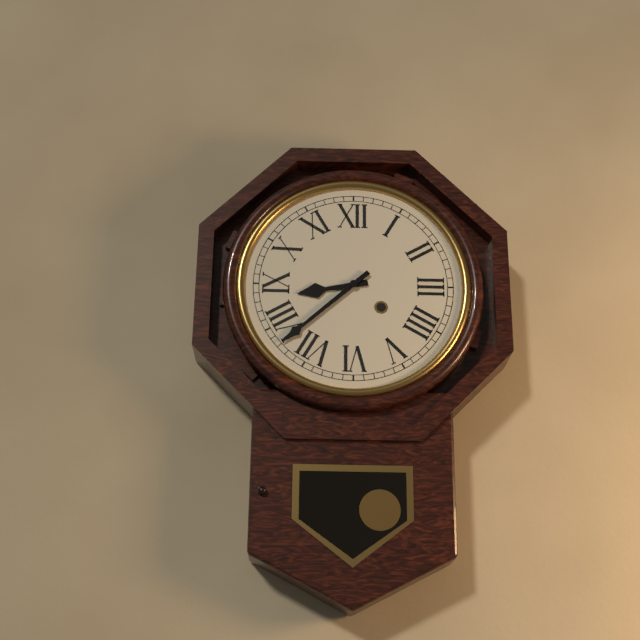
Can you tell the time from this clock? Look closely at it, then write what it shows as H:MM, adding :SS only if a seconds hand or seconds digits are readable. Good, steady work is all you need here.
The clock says 8:38
